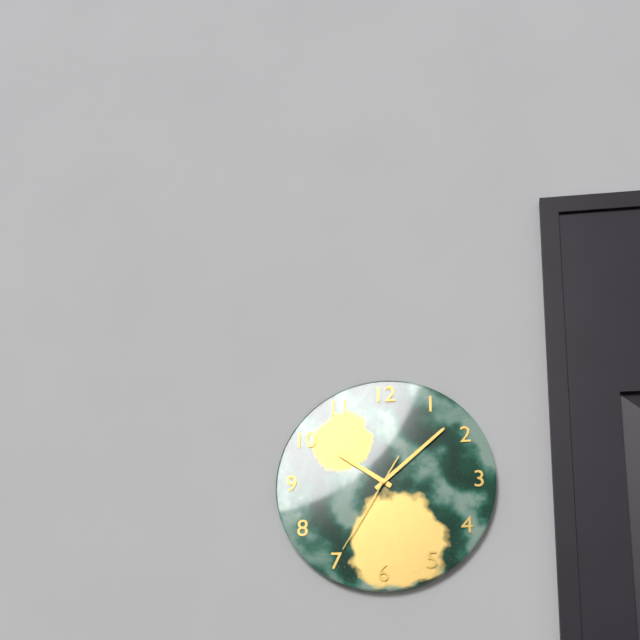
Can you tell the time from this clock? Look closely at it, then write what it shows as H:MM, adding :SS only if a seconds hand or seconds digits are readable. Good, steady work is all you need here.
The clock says 10:08:35
